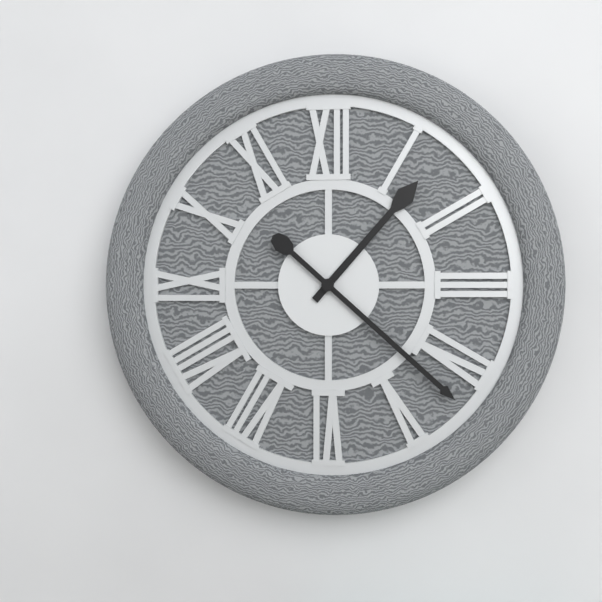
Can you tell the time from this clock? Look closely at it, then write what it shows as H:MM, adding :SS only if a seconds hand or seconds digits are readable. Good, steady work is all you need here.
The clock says 1:22
